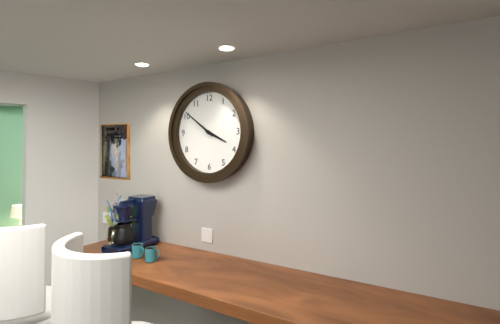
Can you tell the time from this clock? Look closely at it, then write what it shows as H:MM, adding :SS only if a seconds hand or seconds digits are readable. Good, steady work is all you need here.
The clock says 3:51
